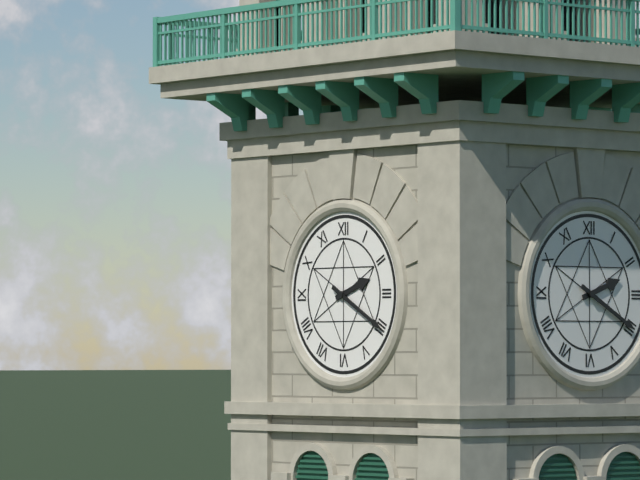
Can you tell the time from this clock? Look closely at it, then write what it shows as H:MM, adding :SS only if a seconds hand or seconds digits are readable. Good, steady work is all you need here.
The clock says 2:20
